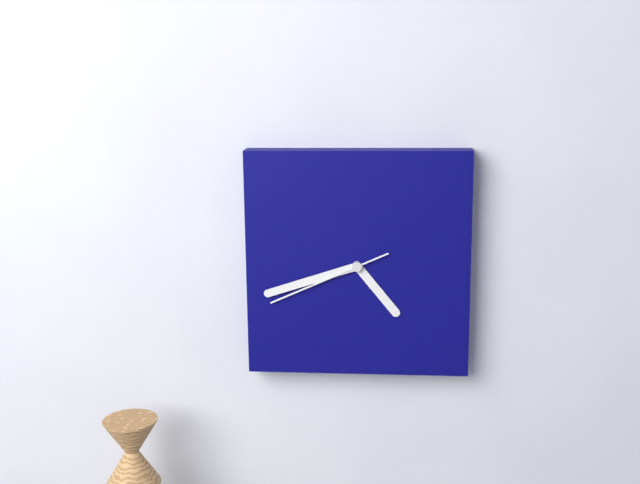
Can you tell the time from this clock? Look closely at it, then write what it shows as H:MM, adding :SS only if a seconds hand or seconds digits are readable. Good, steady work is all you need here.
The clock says 4:42:41
